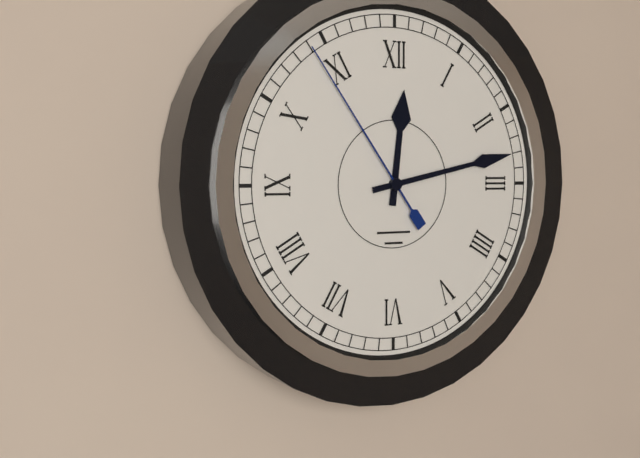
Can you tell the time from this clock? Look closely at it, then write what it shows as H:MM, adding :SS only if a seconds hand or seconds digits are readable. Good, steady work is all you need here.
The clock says 12:13:54
